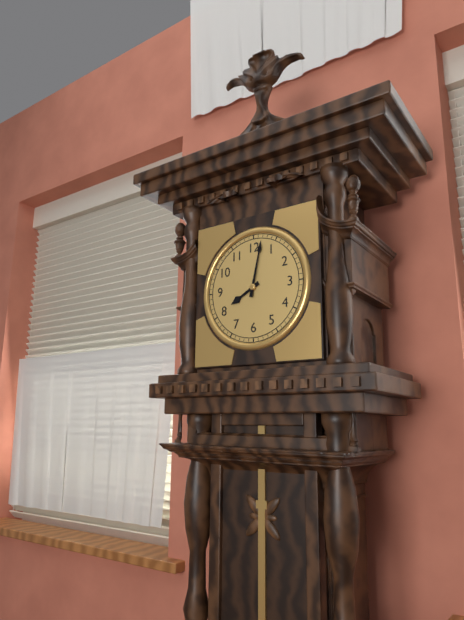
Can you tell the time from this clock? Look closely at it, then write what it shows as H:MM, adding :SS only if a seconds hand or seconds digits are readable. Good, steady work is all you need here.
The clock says 8:02
